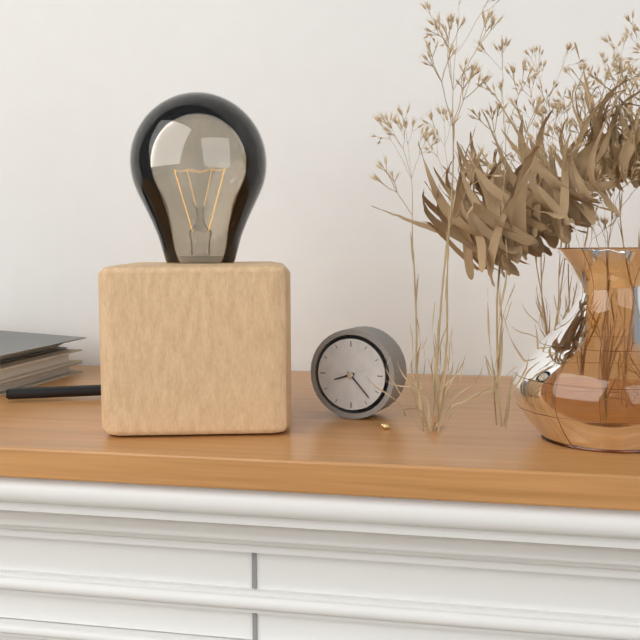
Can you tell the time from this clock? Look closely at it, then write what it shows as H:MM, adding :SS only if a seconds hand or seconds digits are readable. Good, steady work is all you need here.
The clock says 8:23
